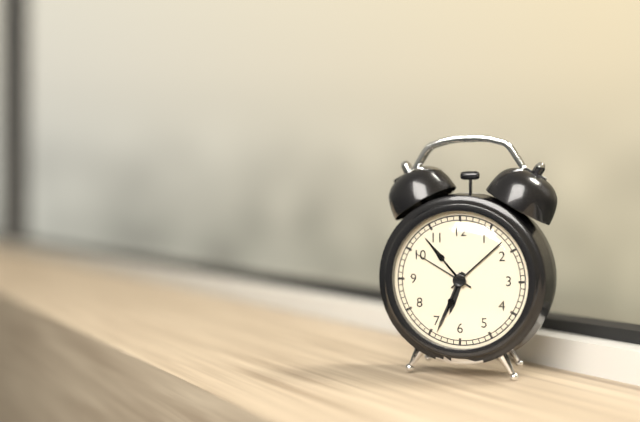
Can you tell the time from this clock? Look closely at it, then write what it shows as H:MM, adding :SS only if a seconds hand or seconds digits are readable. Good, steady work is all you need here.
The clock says 6:34:50
